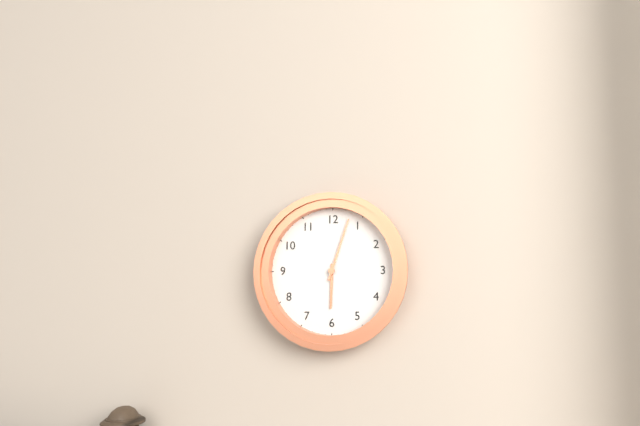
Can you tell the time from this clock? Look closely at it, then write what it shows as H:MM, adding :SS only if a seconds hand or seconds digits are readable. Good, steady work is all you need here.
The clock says 6:03
